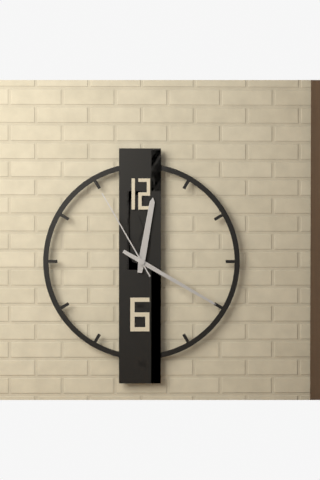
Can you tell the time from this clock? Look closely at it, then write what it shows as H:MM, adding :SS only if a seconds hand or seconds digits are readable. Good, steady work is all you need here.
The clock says 12:20:55
